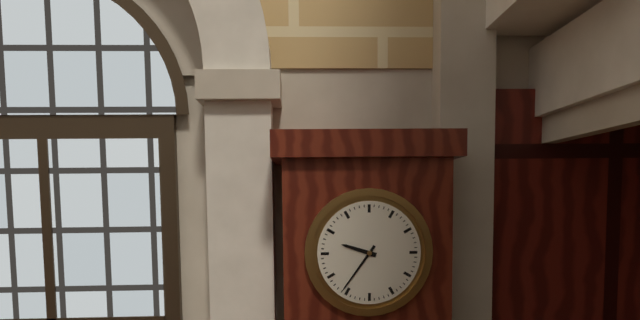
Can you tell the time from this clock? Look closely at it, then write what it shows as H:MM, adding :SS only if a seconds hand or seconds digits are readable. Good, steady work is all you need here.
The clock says 9:36
